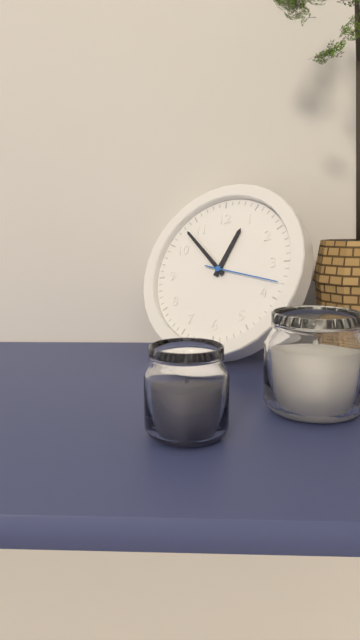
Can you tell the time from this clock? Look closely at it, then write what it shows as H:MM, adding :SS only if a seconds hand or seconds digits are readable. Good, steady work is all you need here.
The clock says 12:53:18
